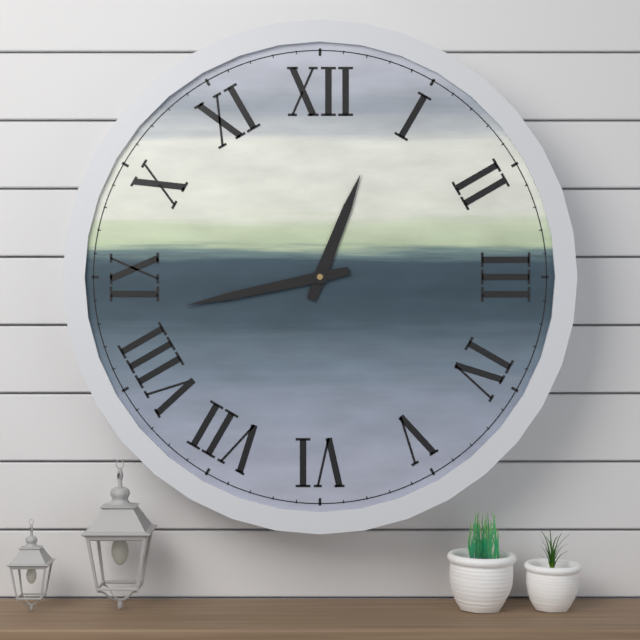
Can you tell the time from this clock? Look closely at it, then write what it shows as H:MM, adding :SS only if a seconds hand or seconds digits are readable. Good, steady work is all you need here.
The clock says 12:43
